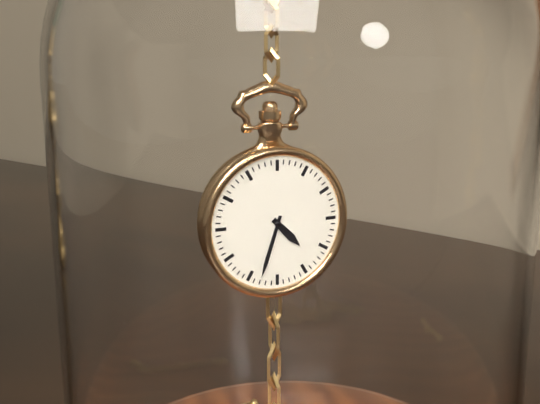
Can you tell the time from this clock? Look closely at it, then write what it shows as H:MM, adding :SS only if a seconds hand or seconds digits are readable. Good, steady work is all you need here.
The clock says 4:33
